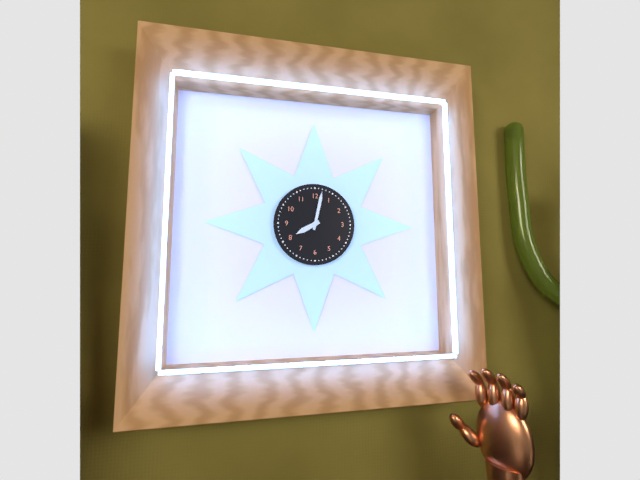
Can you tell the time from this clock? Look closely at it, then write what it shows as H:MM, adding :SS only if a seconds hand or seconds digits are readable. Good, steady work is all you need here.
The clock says 8:02
